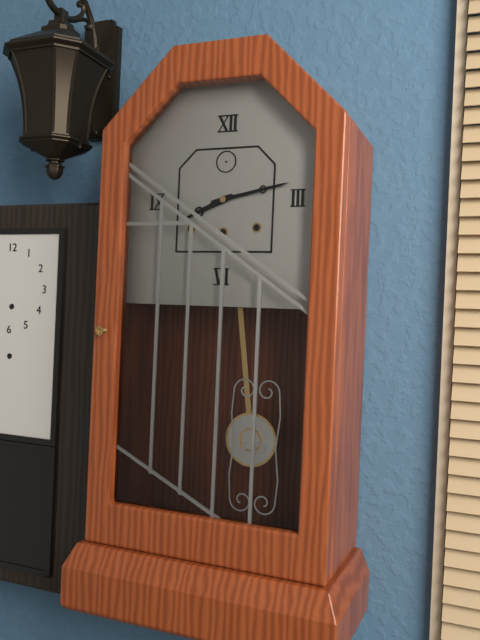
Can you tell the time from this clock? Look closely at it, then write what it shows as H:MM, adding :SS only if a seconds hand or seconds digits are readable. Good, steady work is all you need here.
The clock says 8:13
